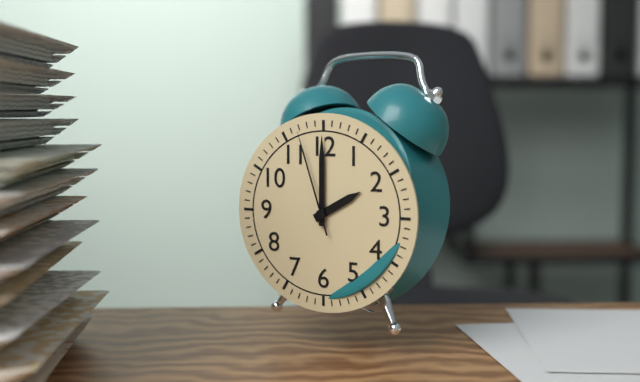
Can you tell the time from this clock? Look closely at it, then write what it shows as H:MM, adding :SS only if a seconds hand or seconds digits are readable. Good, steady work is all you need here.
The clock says 2:00:57
